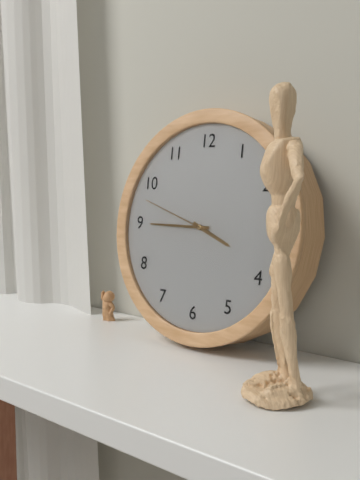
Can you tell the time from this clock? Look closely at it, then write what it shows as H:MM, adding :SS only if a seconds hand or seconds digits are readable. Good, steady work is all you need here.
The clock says 3:45:48
